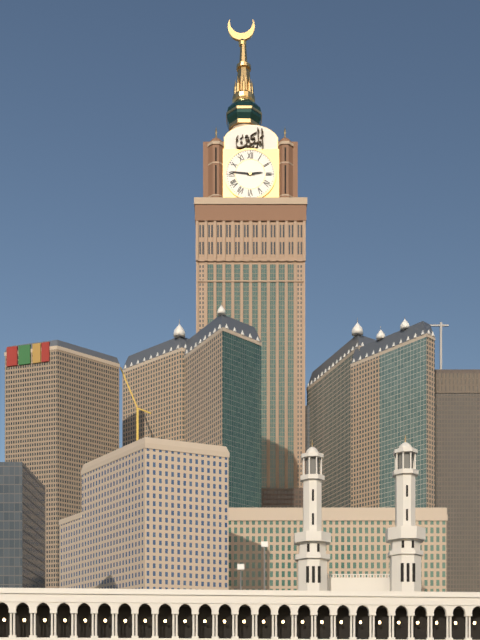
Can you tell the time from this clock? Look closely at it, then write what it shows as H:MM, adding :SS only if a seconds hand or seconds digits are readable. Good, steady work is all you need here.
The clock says 2:46
